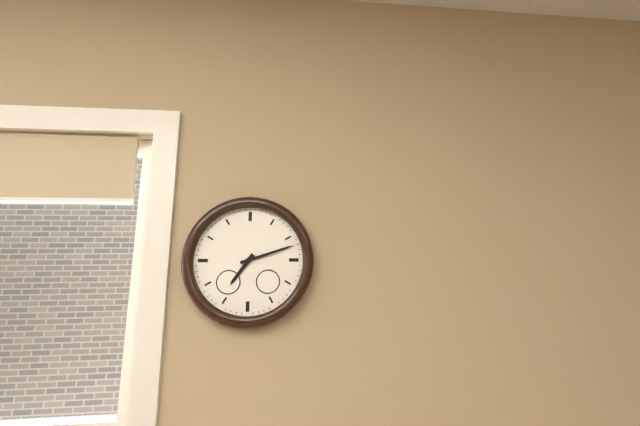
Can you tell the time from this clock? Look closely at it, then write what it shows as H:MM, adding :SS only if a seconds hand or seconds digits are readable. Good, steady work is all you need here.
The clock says 7:12
